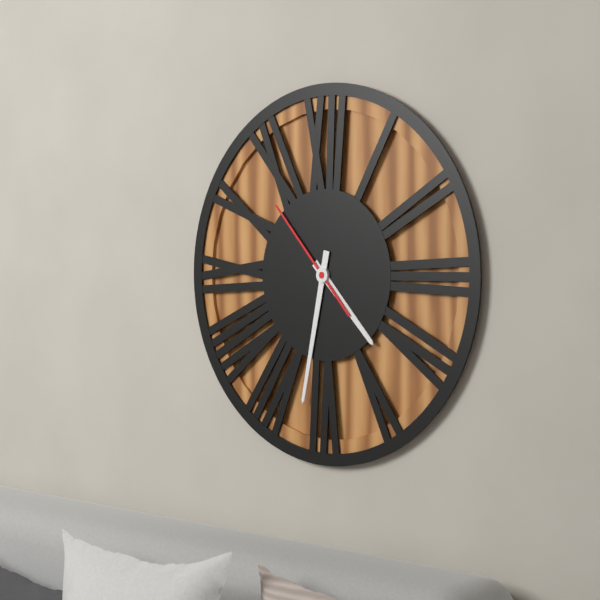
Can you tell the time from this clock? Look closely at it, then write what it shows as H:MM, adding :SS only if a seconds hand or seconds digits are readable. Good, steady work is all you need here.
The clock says 4:32:53
